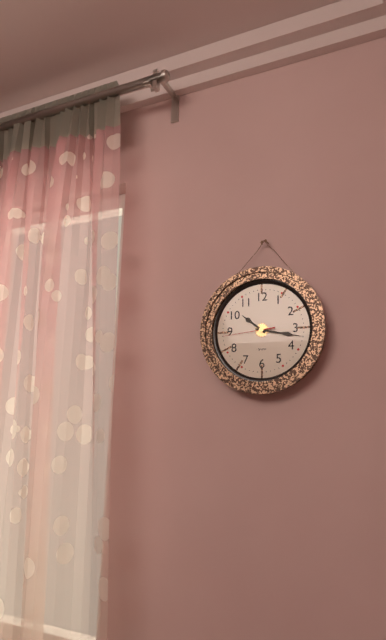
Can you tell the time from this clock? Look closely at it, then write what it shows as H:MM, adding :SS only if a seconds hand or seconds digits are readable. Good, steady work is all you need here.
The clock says 10:17
